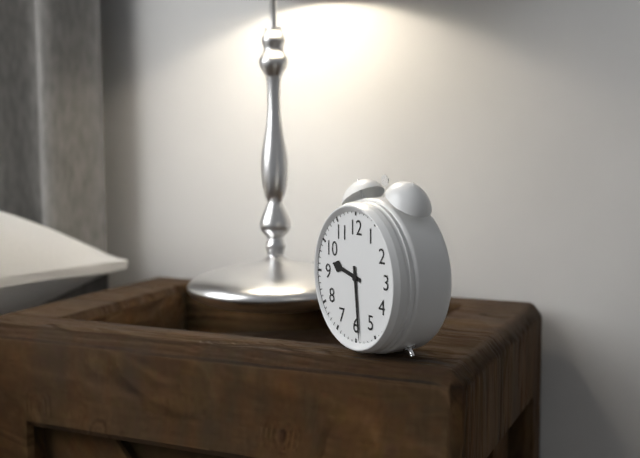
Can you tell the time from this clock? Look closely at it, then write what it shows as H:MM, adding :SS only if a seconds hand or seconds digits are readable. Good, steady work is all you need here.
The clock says 9:29
